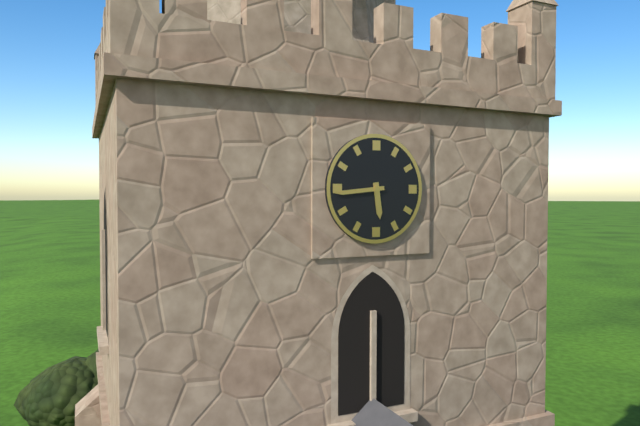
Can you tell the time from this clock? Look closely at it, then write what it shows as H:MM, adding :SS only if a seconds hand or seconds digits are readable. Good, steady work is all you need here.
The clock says 5:44
